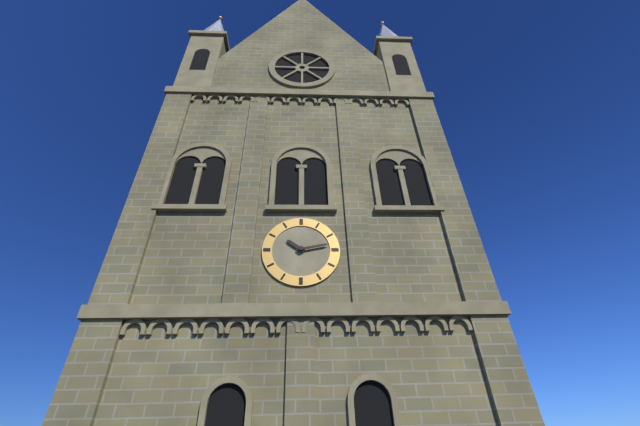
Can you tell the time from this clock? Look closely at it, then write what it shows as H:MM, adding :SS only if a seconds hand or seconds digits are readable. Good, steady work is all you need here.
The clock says 10:13
